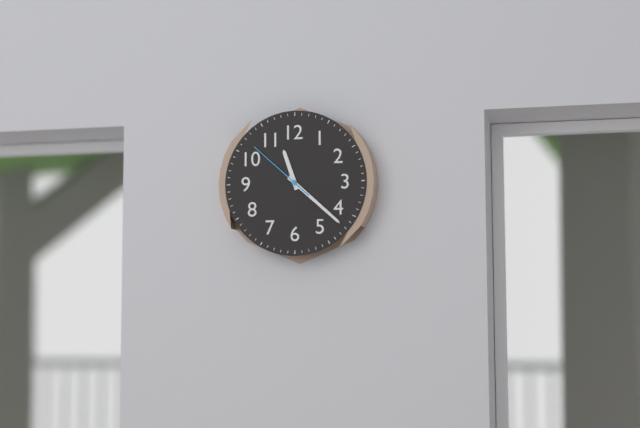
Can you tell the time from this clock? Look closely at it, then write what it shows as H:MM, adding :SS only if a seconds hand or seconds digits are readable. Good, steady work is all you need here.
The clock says 11:22:52
